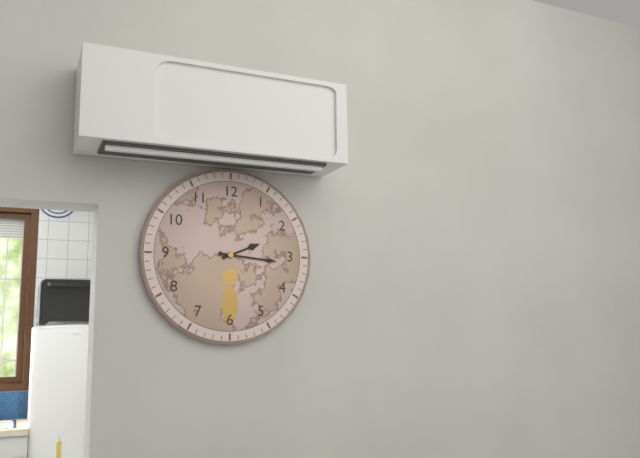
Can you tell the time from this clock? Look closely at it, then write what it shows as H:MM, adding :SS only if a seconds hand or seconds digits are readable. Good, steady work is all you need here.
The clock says 2:16
